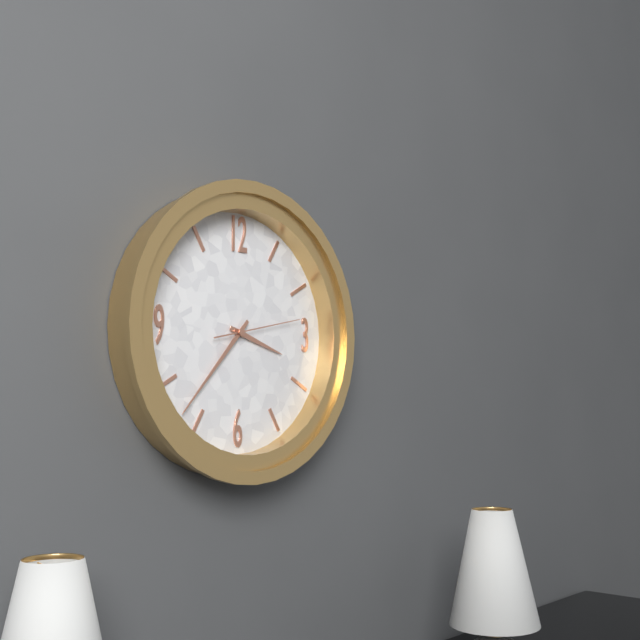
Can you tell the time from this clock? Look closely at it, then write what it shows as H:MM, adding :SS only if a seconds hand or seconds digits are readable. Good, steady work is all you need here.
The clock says 3:37:13
